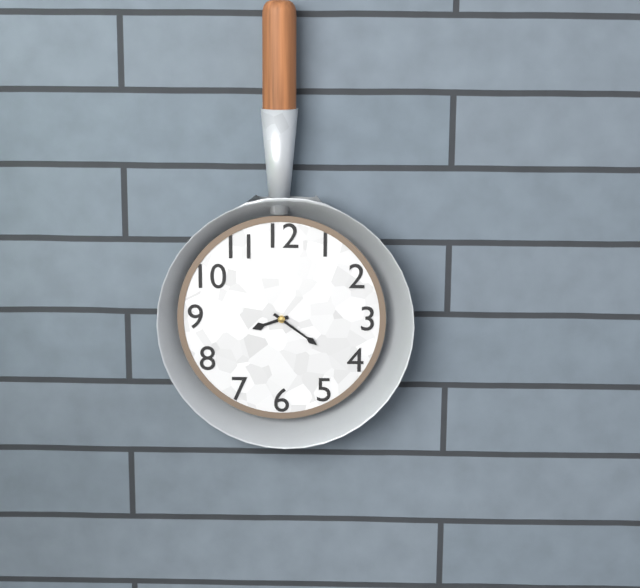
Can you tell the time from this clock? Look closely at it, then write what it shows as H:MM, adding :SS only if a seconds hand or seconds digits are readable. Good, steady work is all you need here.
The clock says 8:21
